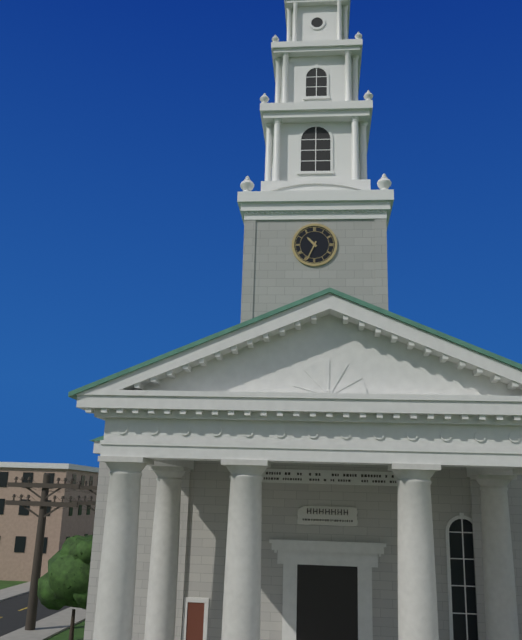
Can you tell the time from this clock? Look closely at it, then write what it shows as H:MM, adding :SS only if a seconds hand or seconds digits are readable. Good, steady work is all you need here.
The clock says 10:34
